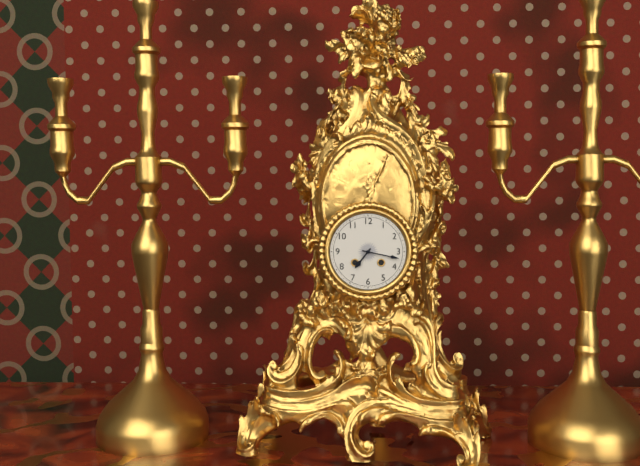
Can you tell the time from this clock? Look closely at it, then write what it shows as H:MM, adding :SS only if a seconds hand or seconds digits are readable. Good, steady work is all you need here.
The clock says 7:17
